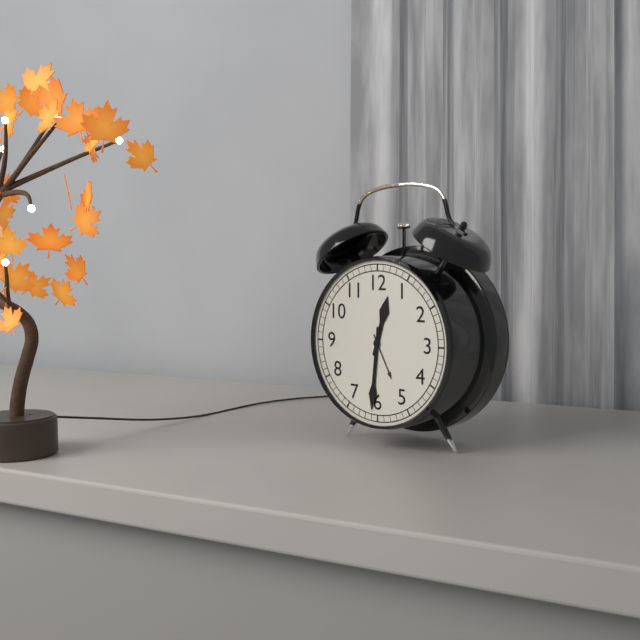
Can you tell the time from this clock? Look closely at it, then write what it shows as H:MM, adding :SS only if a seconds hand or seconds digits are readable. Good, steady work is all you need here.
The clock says 12:31
